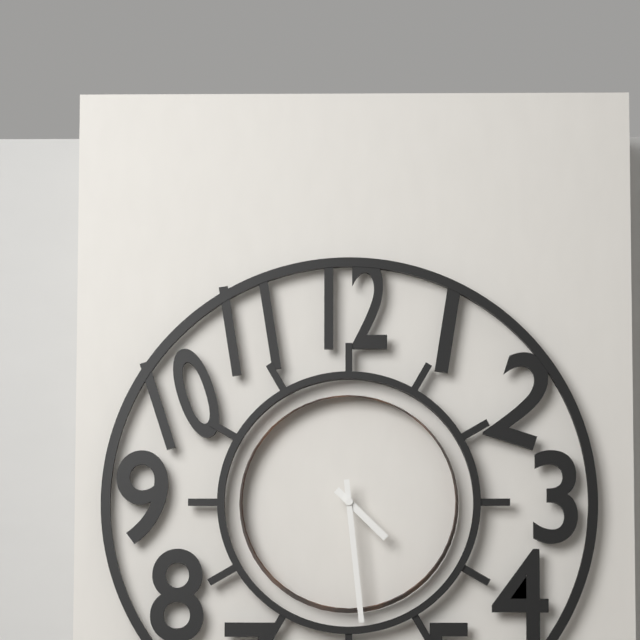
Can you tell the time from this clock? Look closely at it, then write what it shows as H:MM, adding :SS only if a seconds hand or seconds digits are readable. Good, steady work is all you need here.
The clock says 4:29
